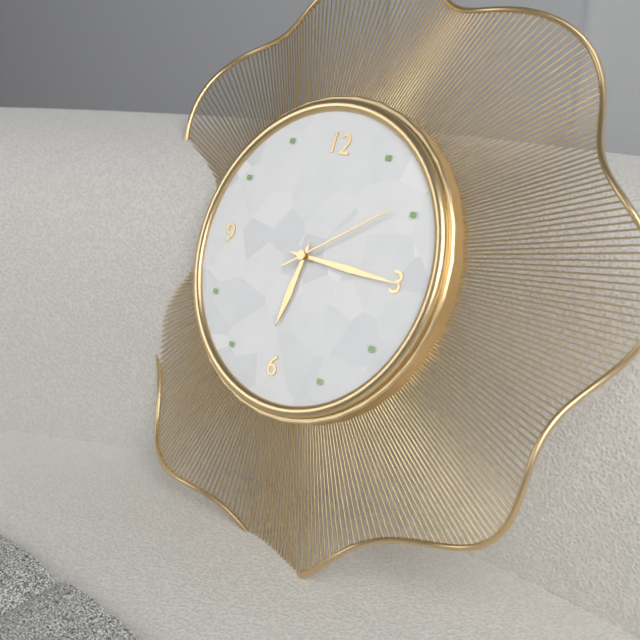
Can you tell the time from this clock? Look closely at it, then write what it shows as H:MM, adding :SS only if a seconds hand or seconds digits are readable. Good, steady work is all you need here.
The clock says 6:15:09
